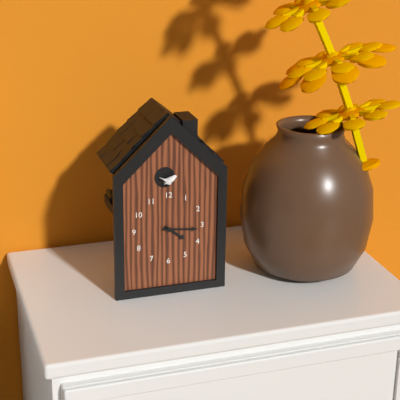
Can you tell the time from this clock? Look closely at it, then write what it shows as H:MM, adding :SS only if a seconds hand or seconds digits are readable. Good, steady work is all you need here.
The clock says 4:16
